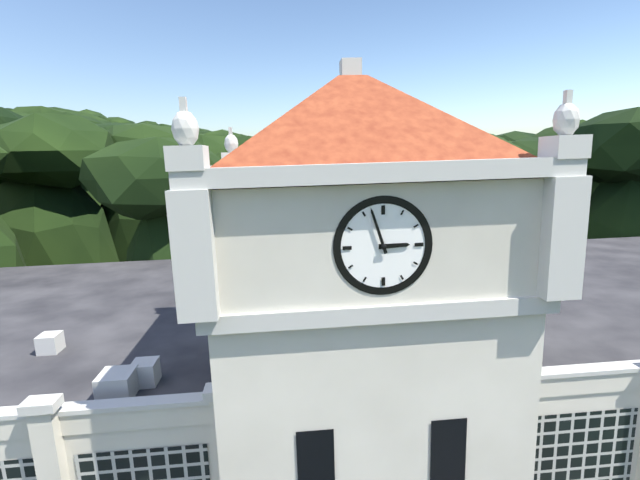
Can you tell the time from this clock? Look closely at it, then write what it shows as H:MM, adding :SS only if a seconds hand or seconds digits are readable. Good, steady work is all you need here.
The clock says 2:57
